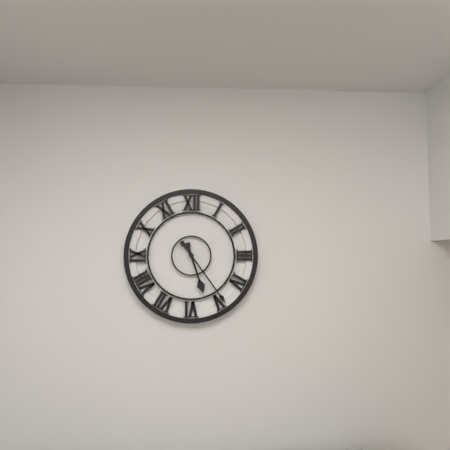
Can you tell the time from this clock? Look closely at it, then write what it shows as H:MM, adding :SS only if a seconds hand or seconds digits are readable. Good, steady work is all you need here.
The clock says 5:24
